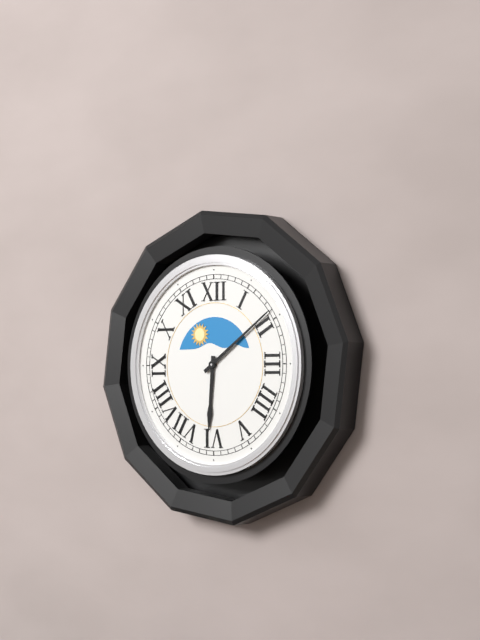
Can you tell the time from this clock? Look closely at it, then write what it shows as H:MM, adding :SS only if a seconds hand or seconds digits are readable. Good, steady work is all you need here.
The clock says 6:09
